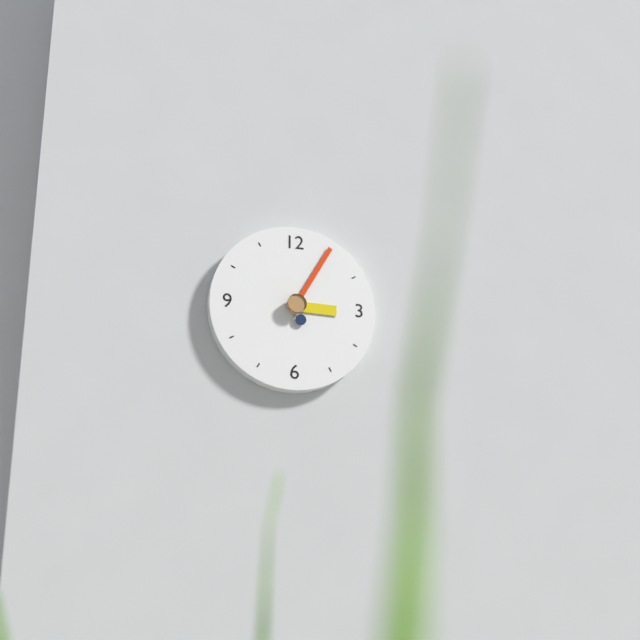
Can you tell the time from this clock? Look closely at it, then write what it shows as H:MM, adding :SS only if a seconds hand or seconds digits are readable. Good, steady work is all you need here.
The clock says 3:05
